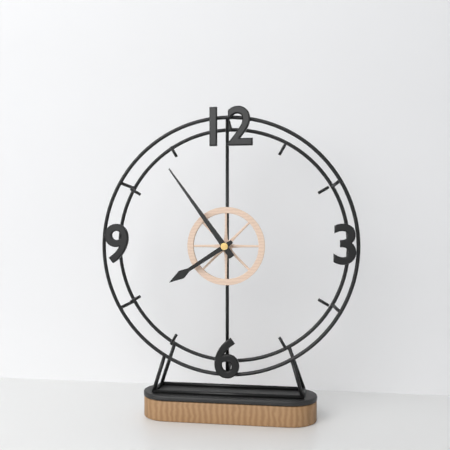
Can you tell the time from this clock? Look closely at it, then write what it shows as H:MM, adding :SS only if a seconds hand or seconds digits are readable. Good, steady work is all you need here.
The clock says 7:54
